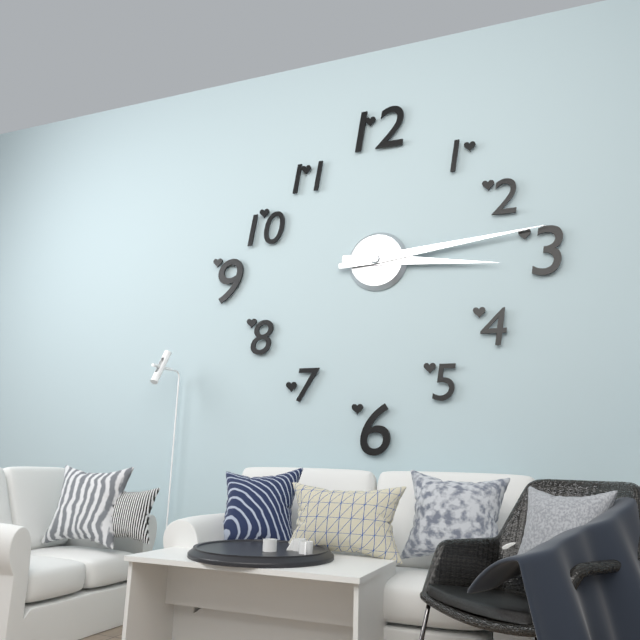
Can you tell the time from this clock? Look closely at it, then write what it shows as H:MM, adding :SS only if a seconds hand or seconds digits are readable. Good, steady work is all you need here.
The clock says 3:14
